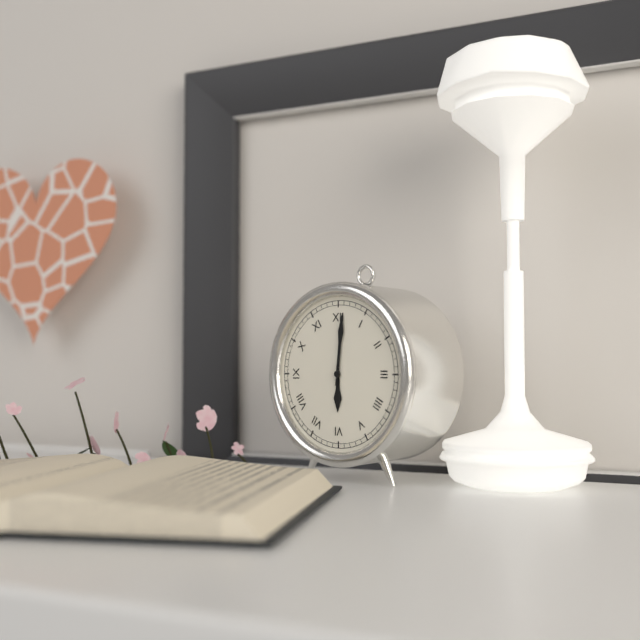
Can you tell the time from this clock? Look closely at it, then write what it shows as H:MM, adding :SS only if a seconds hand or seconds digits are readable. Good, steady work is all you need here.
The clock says 6:01
